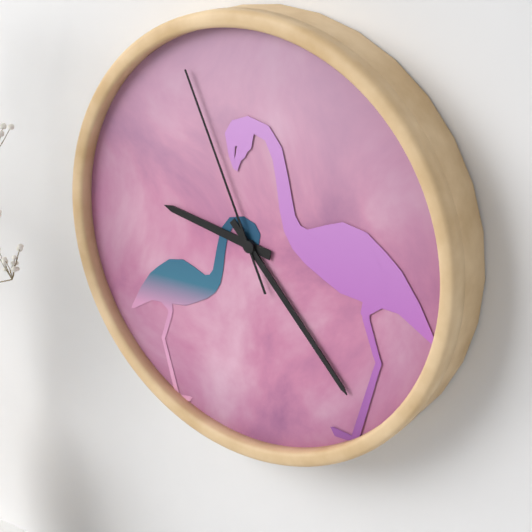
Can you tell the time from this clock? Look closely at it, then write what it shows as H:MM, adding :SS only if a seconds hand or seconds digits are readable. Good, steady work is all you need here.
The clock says 9:23:56
